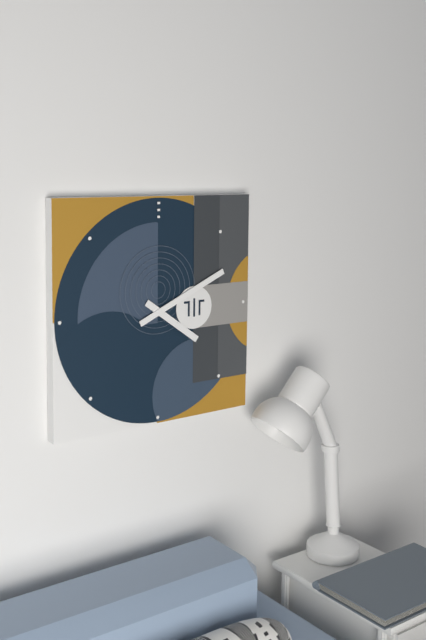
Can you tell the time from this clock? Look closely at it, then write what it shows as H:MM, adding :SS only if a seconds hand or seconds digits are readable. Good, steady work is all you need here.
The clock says 4:11
